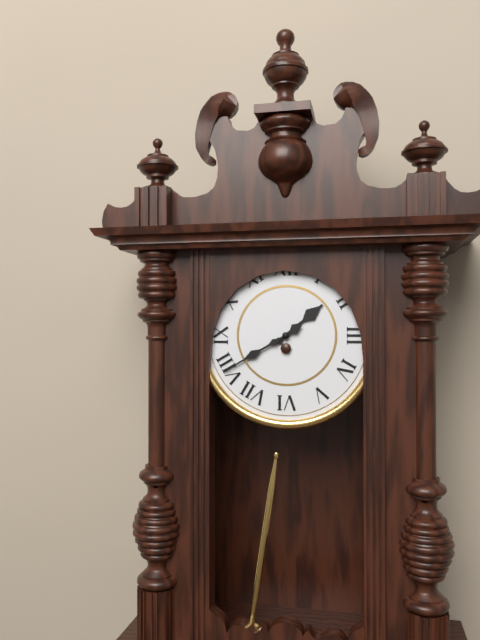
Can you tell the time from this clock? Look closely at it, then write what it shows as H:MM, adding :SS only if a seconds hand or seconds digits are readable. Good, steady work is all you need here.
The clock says 1:40
